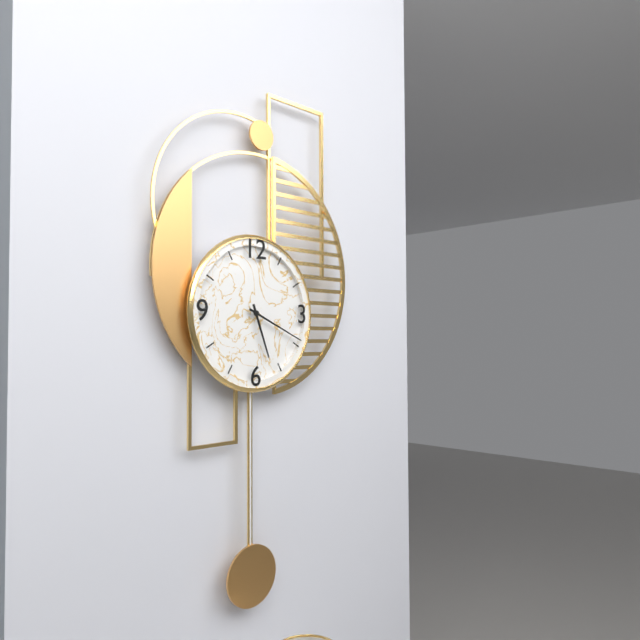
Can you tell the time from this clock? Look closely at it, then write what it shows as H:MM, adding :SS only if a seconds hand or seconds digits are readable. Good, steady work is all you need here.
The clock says 5:19
